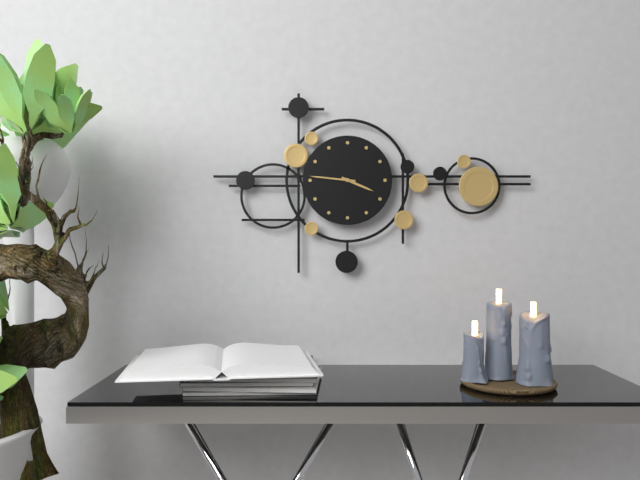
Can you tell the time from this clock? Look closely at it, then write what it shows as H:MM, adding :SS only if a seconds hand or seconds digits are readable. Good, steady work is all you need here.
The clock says 3:46
